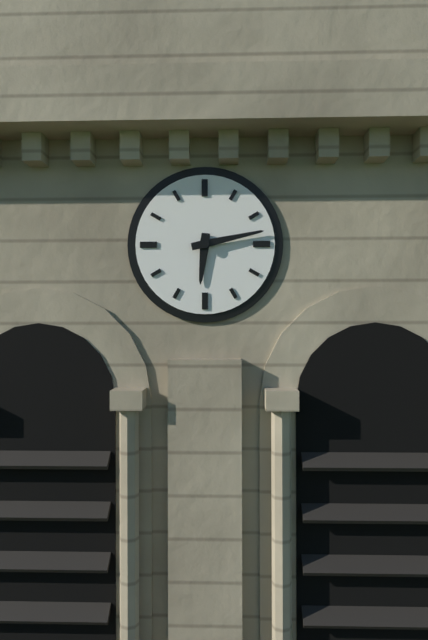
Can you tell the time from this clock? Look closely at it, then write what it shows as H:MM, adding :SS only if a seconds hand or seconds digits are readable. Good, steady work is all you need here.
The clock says 6:13
